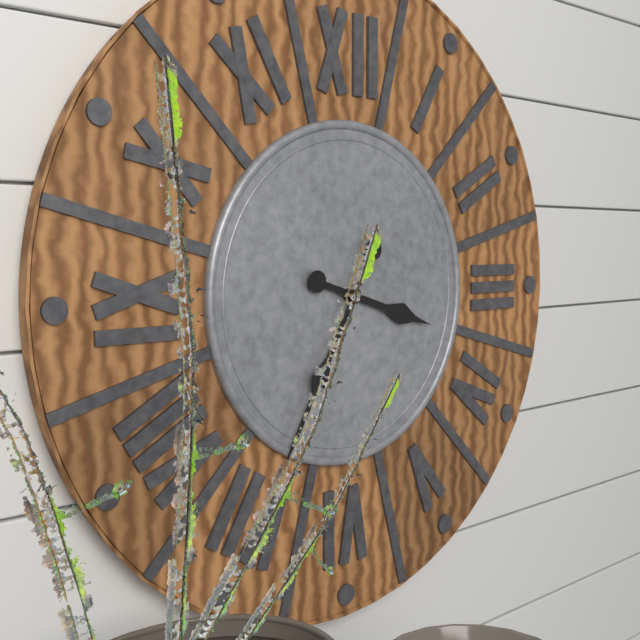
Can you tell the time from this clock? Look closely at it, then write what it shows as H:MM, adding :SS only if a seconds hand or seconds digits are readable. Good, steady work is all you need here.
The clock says 3:35
